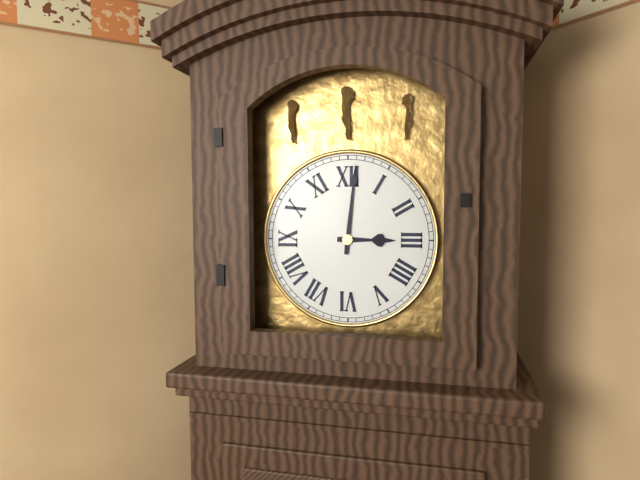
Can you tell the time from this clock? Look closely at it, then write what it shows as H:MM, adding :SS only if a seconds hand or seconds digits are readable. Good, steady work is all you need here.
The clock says 3:01
